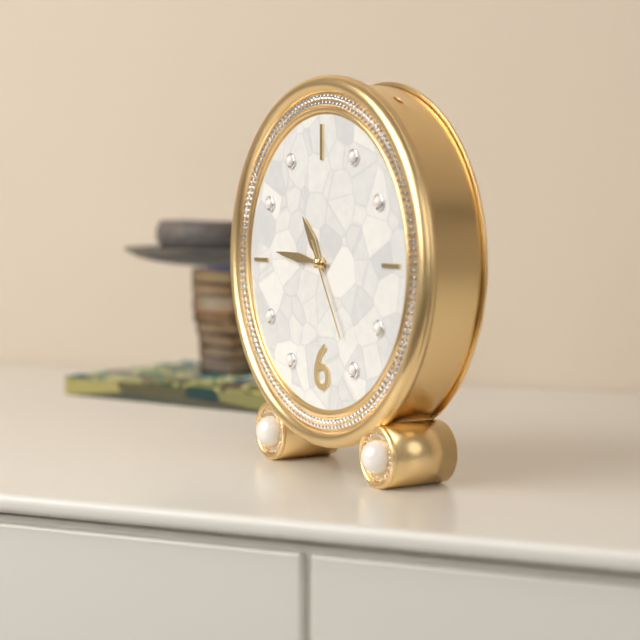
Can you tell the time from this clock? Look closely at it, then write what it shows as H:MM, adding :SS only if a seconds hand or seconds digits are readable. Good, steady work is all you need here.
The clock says 10:46:25
